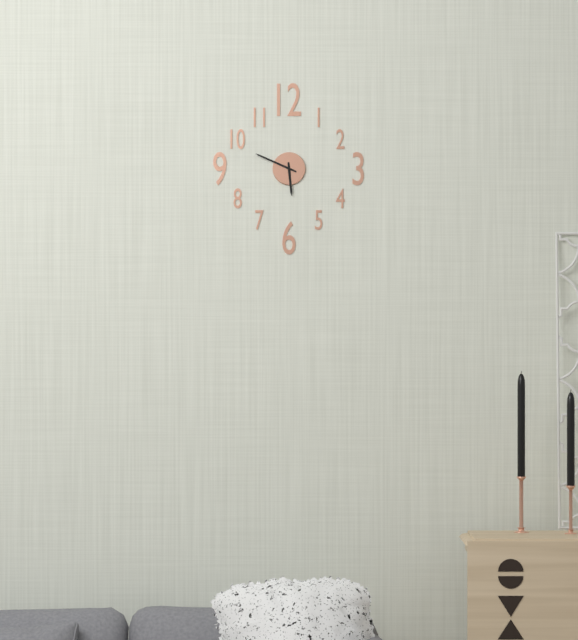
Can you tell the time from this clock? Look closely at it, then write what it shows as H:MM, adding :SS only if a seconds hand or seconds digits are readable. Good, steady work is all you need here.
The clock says 5:49
